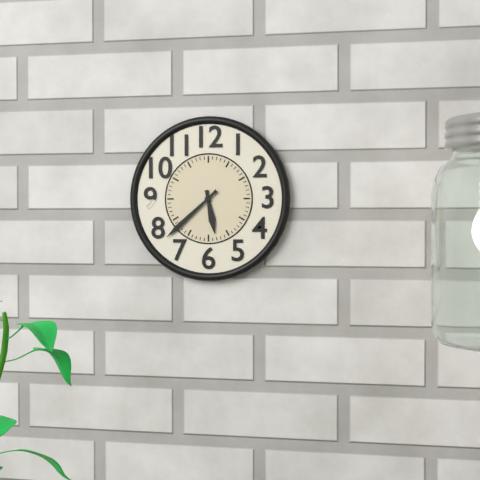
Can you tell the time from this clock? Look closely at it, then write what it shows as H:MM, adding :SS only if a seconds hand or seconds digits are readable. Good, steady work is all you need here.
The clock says 5:38
